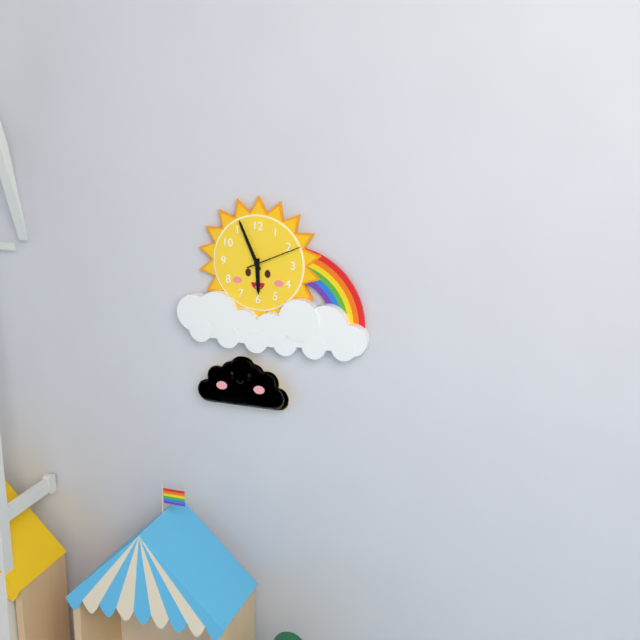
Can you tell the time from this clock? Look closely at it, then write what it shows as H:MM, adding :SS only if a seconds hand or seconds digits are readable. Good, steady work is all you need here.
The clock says 5:56:11
